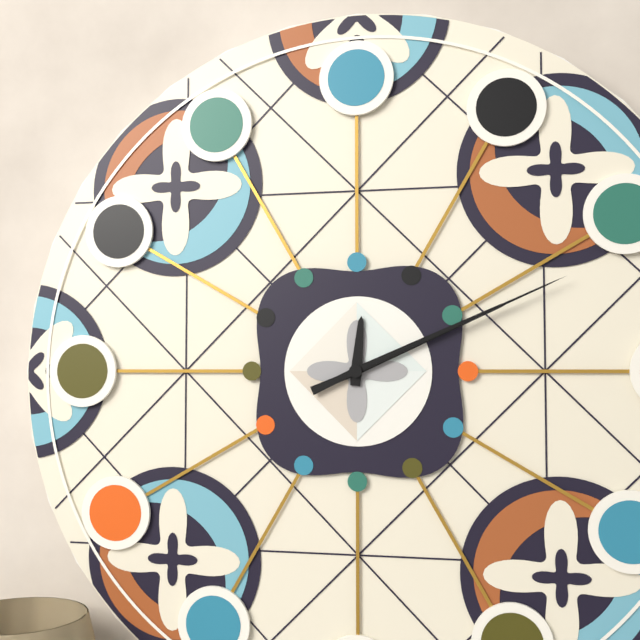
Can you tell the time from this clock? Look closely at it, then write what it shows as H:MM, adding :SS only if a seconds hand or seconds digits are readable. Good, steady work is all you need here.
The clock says 12:11:11
